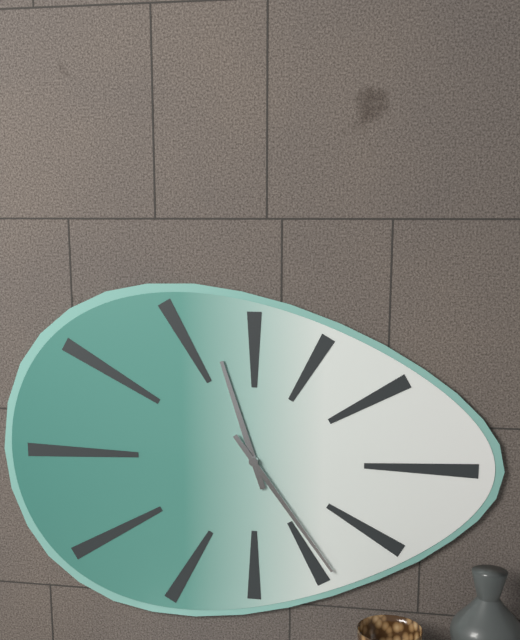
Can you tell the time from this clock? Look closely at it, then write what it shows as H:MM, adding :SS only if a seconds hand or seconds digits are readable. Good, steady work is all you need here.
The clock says 11:24
